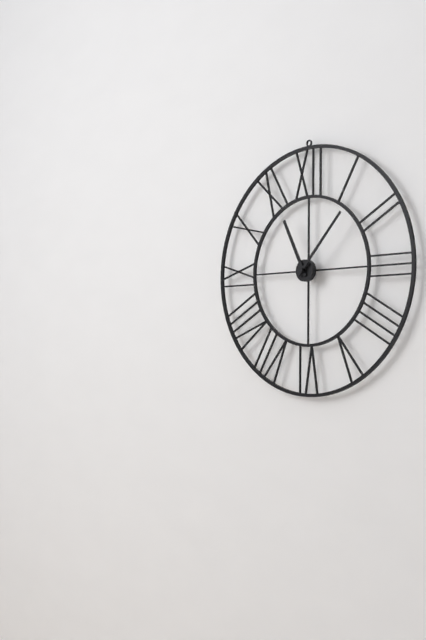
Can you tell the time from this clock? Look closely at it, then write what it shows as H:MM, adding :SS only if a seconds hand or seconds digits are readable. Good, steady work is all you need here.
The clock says 11:07
